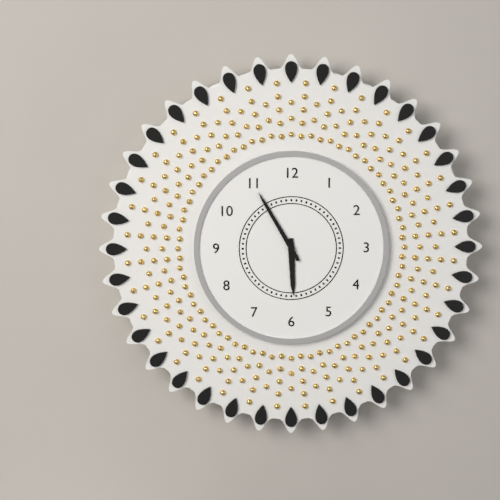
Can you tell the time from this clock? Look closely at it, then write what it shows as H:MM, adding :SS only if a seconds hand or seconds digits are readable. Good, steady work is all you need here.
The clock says 5:55
